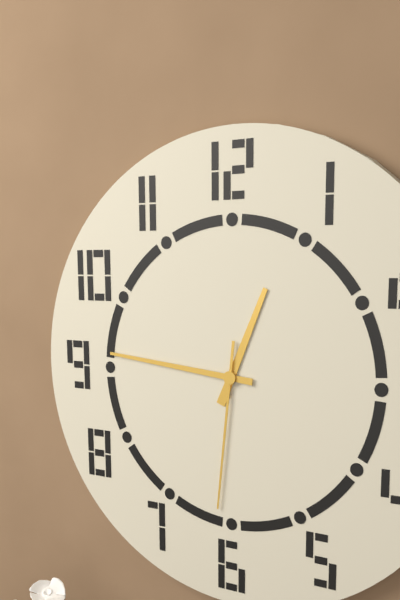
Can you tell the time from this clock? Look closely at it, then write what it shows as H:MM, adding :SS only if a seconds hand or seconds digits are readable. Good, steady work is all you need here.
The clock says 12:46:31
